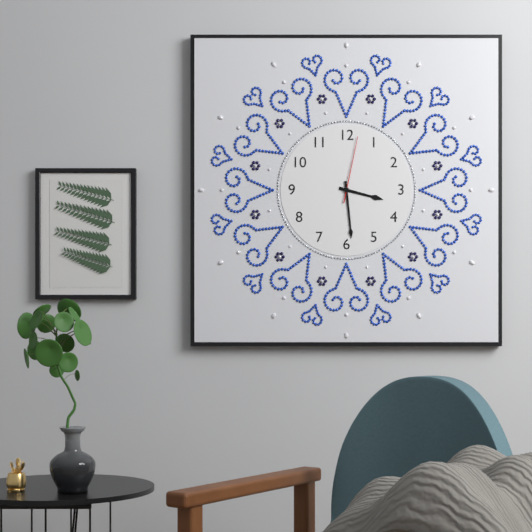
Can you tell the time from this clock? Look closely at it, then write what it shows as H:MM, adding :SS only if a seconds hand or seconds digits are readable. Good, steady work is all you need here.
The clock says 3:29:02
